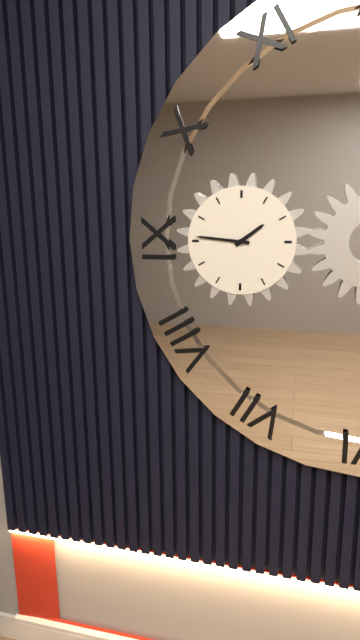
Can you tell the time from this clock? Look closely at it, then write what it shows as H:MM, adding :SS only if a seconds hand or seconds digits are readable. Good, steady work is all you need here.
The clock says 1:46
